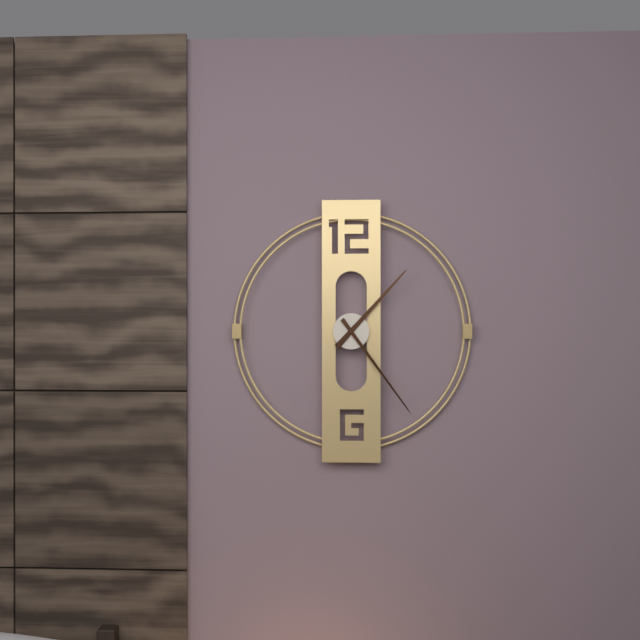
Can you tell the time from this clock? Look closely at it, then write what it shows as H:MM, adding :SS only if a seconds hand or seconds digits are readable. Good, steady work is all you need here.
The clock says 1:24
